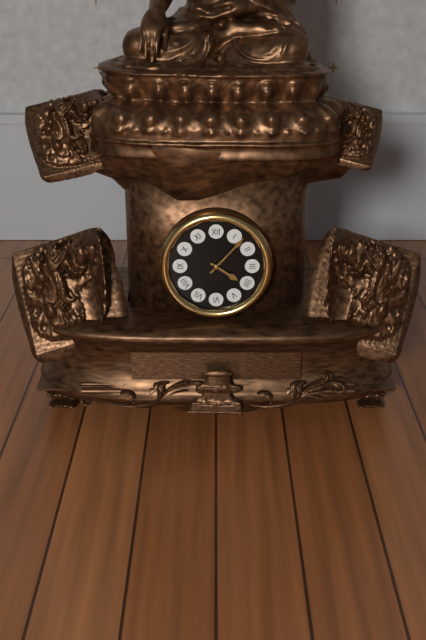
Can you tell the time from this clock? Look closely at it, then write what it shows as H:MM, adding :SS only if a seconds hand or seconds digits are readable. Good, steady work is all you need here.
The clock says 4:07
